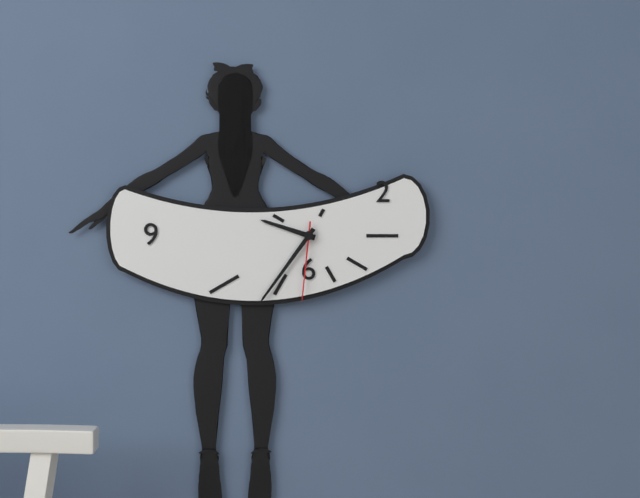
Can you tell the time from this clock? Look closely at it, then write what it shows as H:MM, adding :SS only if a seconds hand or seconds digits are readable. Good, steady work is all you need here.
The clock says 9:36:31
